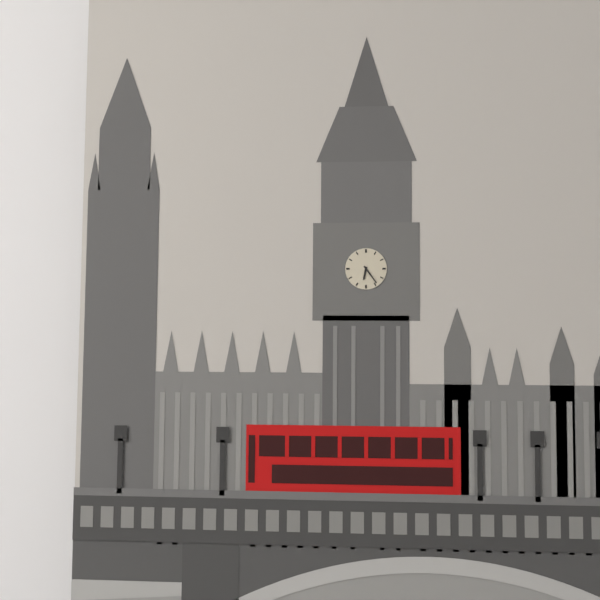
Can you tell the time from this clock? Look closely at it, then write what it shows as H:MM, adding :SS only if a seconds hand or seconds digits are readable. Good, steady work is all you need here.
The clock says 6:24
